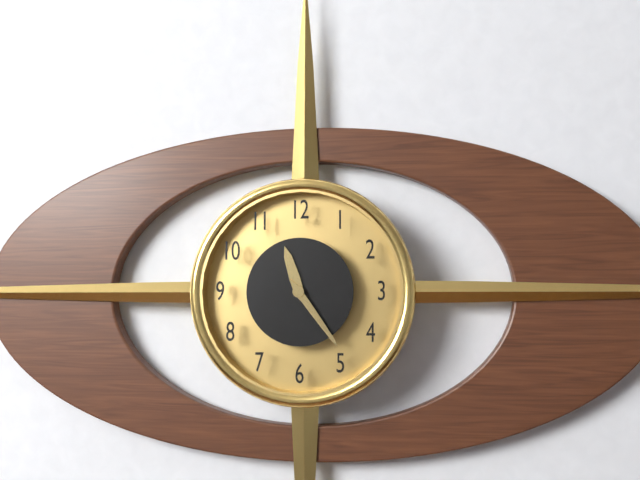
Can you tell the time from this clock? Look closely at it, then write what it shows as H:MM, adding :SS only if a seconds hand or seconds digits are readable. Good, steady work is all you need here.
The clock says 11:24
